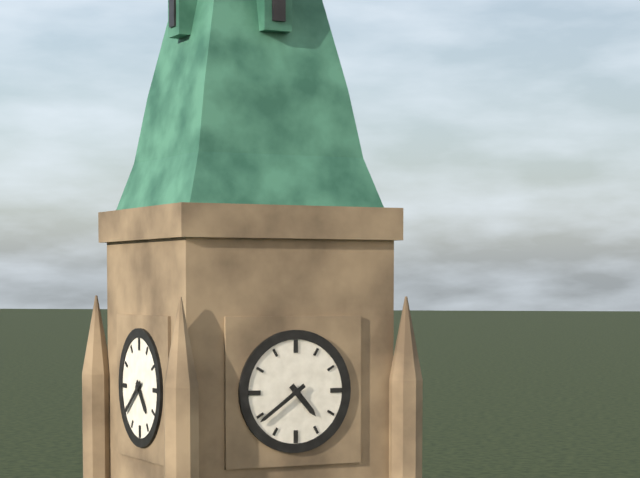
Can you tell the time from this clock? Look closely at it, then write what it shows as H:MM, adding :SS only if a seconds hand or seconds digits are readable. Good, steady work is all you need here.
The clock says 4:39
